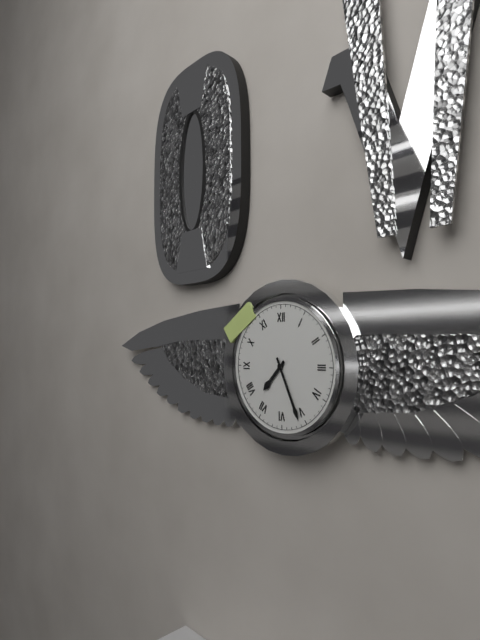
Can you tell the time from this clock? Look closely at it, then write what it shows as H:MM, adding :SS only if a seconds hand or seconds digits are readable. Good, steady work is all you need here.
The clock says 7:26
